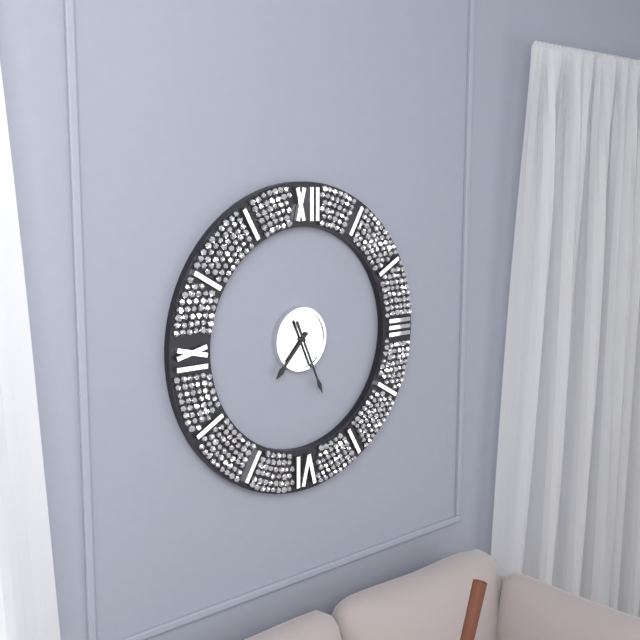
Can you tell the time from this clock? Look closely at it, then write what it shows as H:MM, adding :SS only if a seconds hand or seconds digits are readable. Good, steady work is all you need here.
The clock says 7:26
